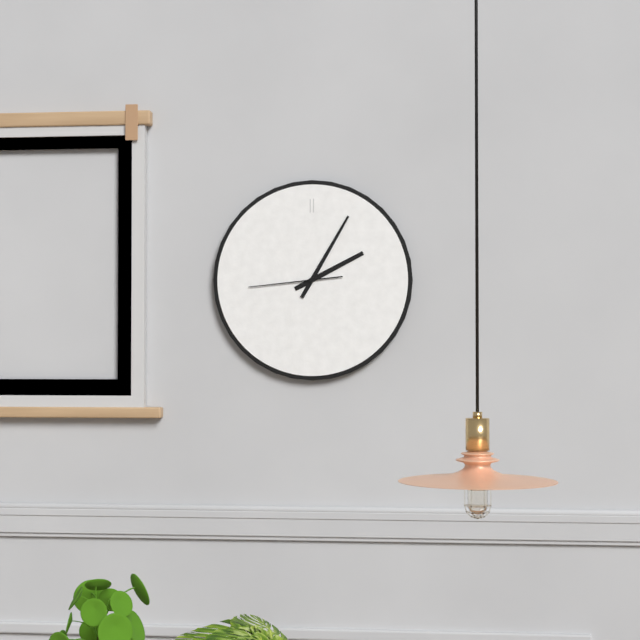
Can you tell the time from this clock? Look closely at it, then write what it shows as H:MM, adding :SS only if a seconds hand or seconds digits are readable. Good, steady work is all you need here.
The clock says 2:05:44
